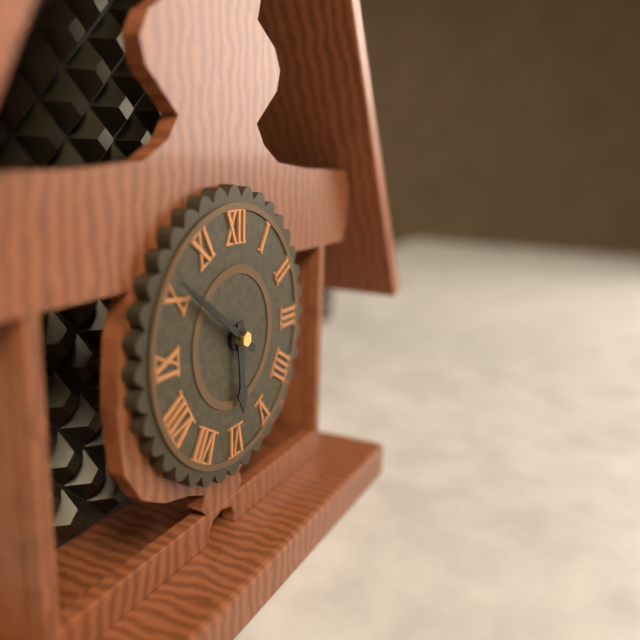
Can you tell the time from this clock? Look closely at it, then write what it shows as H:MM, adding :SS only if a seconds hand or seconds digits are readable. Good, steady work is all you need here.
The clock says 5:51
